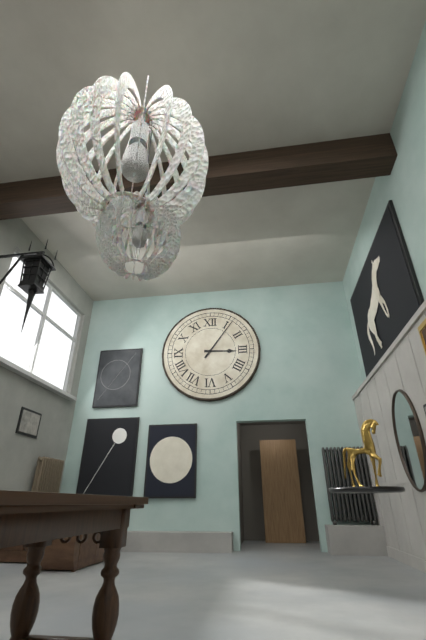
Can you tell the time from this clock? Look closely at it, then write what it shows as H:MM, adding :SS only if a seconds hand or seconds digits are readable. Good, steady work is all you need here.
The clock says 3:06
